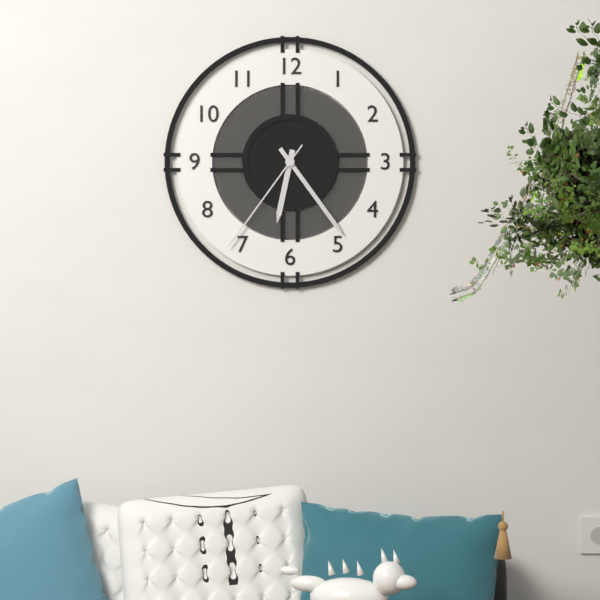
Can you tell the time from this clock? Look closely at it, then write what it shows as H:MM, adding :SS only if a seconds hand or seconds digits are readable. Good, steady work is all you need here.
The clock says 6:24:36
